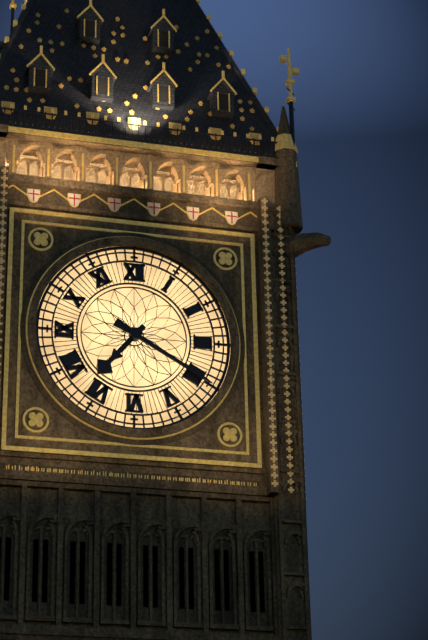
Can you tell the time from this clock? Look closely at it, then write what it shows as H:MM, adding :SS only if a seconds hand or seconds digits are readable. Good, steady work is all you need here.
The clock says 7:20
